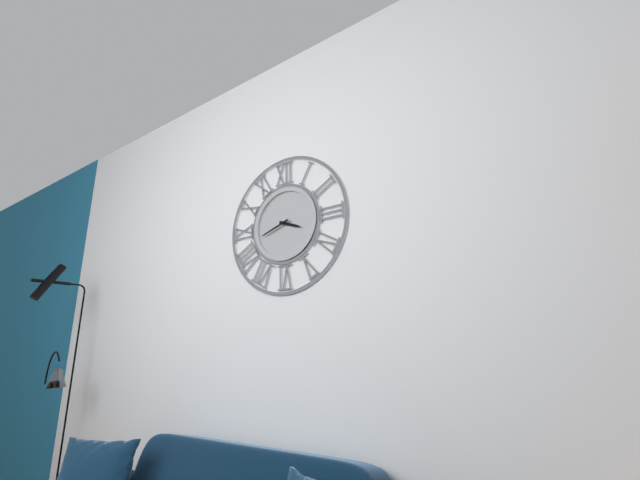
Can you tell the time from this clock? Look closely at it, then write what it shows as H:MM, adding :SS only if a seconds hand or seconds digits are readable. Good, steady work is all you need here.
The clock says 3:42
